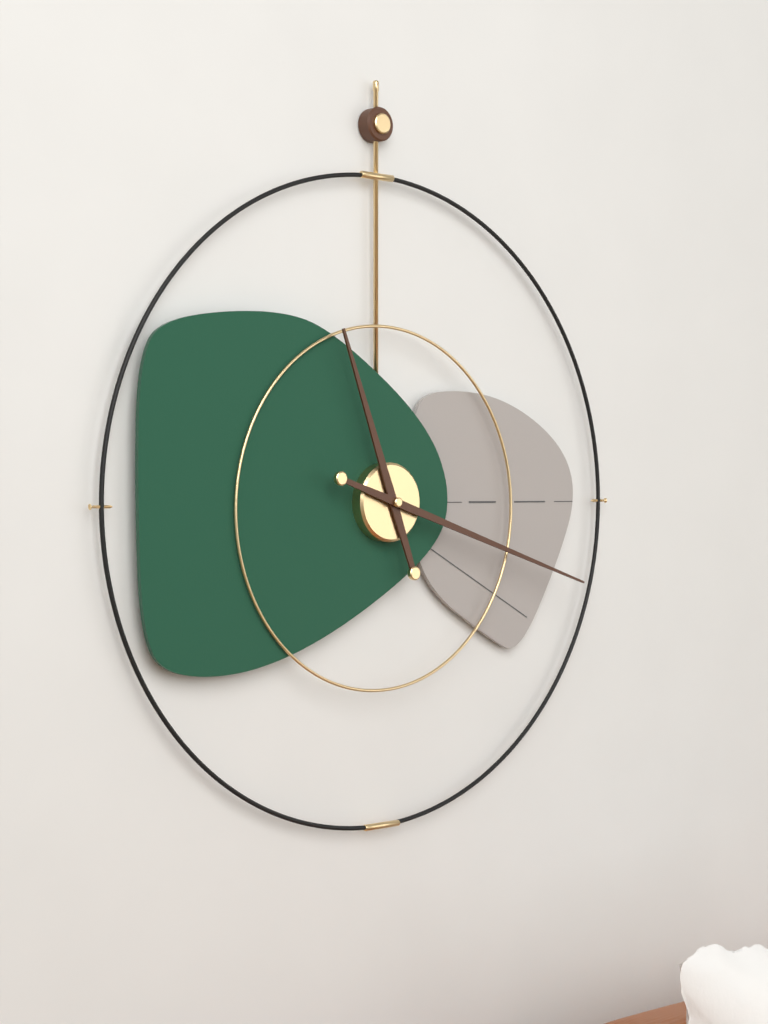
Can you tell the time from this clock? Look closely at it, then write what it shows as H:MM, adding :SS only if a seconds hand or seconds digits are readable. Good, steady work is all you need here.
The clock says 11:18
